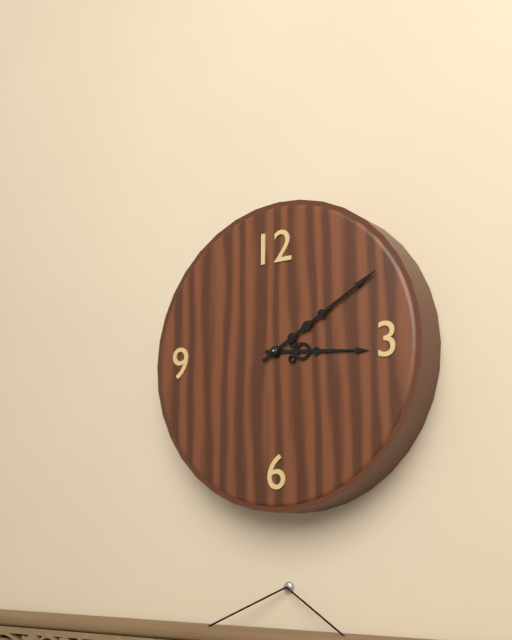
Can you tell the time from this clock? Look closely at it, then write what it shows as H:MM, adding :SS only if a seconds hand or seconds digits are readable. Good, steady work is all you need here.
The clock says 3:10
